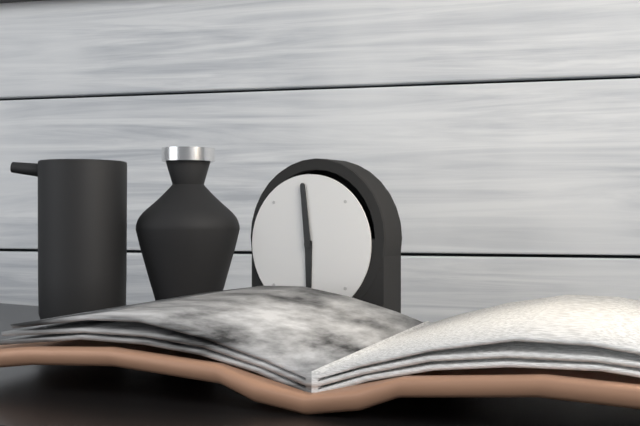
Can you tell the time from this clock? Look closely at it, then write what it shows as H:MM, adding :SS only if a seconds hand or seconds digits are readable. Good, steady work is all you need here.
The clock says 5:59
